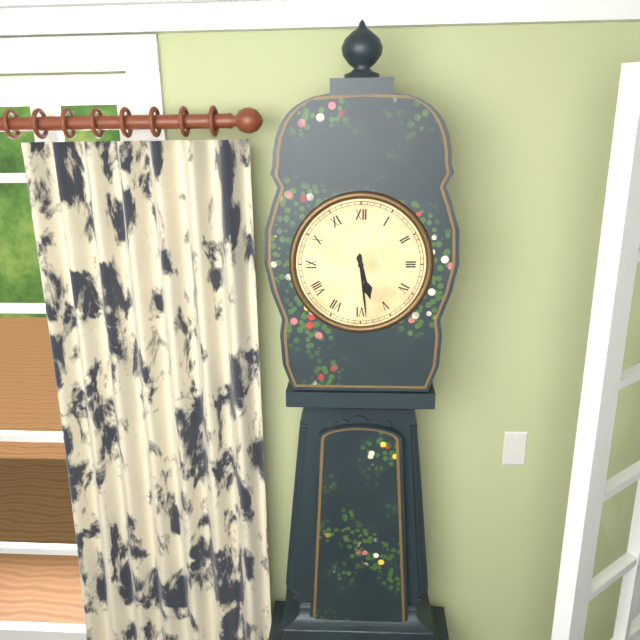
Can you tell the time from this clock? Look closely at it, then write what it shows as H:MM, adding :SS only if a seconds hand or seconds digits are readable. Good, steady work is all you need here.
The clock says 5:29
